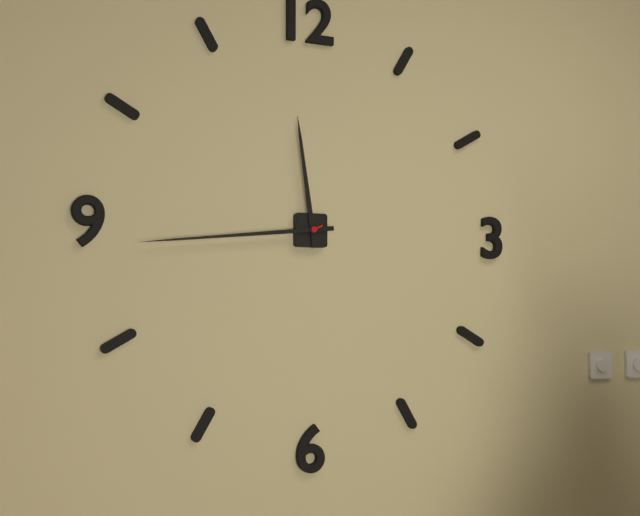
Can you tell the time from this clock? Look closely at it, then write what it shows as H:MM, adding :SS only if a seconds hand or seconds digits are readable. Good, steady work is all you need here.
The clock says 11:44
